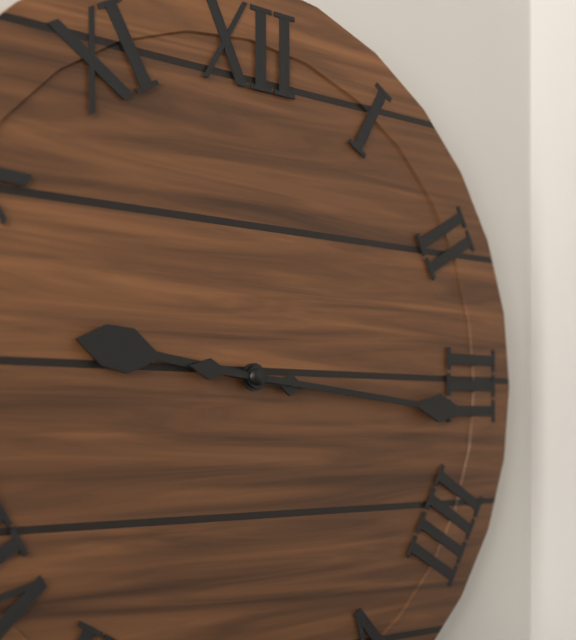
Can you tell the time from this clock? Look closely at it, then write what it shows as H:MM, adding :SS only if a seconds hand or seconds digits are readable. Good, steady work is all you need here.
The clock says 9:16
